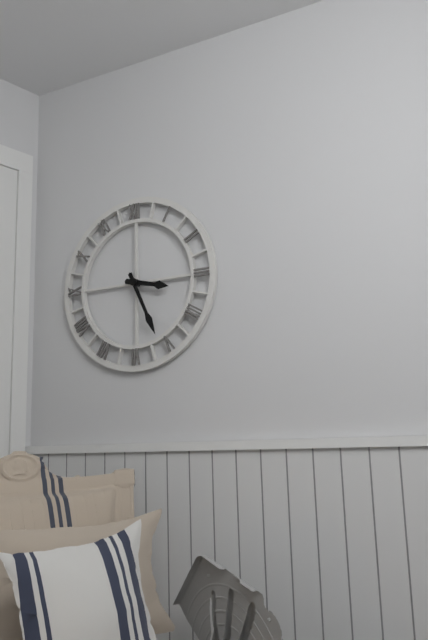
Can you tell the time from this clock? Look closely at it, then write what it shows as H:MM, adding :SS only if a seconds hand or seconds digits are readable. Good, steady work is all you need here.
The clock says 3:26
